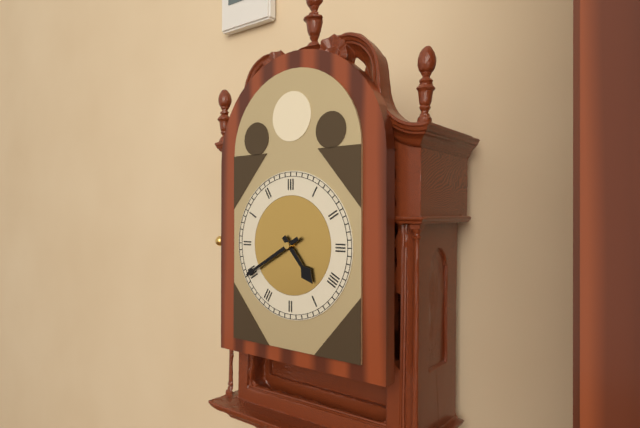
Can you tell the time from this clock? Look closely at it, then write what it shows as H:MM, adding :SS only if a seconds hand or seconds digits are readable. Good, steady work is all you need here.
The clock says 4:40
